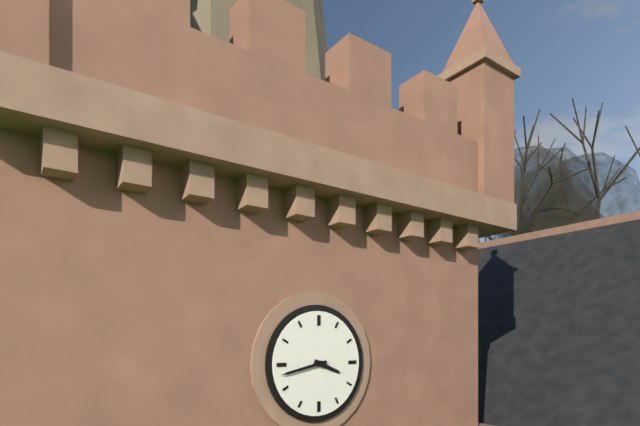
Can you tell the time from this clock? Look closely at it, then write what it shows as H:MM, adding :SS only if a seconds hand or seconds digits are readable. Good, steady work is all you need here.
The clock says 3:43
